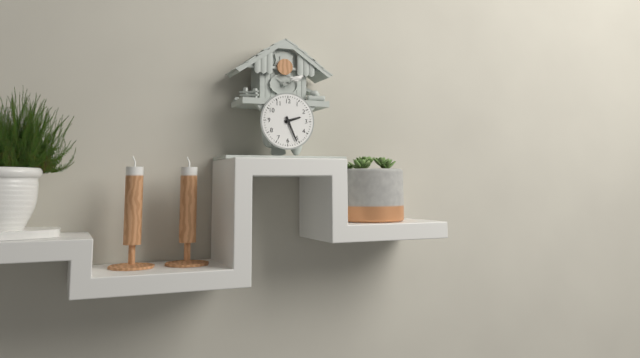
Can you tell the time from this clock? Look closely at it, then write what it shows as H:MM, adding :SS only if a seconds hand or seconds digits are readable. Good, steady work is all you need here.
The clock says 2:26
